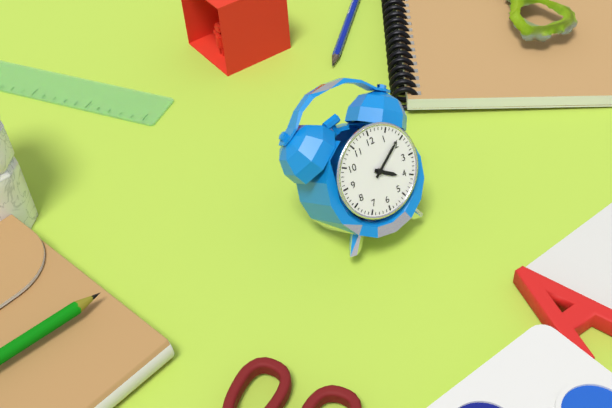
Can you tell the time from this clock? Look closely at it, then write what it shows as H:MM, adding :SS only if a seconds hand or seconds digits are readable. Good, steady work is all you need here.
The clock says 4:09
